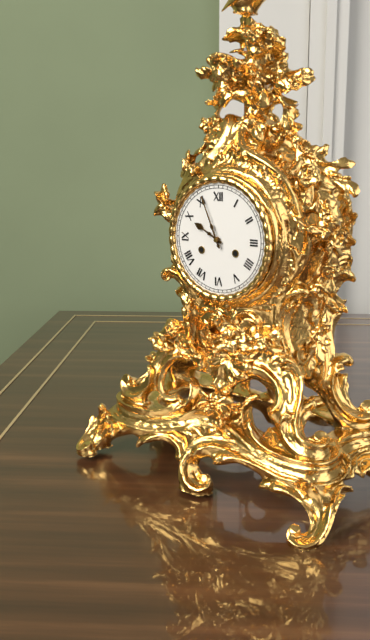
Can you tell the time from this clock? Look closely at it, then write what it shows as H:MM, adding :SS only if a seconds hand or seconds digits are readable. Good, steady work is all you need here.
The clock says 9:56
